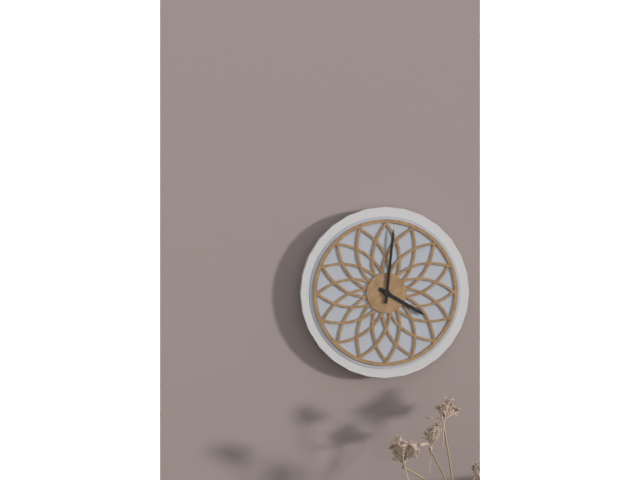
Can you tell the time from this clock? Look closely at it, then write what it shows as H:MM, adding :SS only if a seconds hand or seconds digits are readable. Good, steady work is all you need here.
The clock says 4:01
